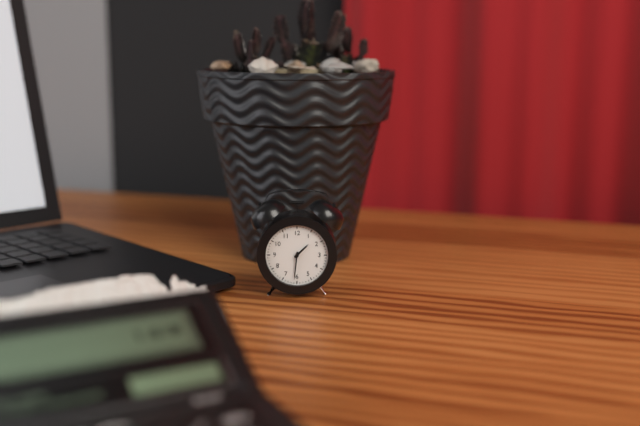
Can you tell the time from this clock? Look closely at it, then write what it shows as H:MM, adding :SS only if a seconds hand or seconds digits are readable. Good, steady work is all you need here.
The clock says 1:31
